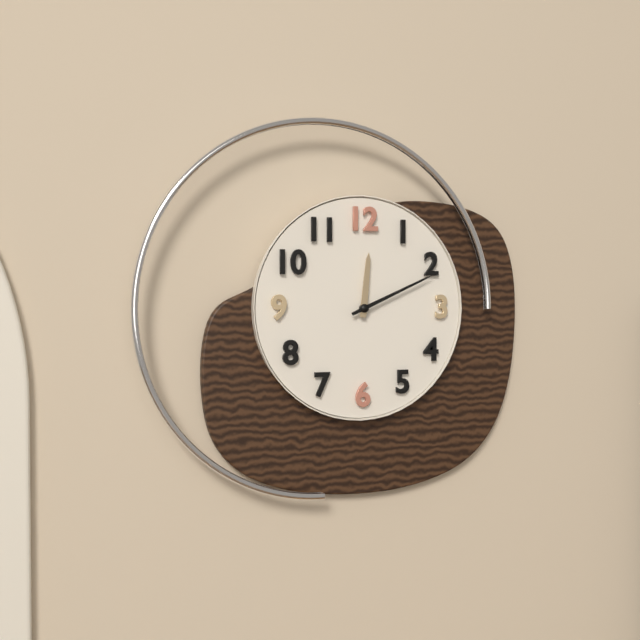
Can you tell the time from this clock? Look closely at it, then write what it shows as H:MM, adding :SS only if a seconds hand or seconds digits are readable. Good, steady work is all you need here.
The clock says 12:11
